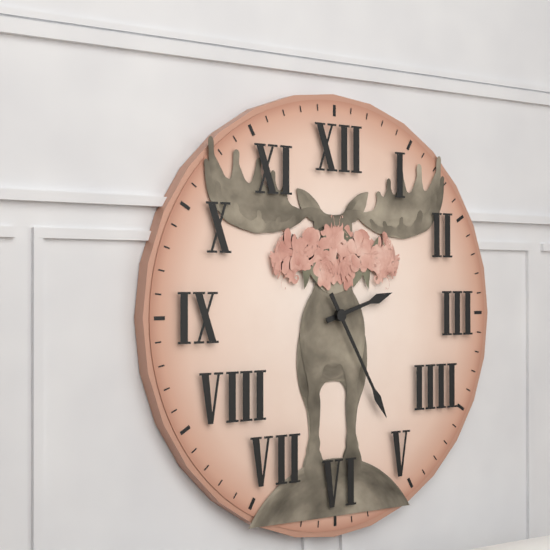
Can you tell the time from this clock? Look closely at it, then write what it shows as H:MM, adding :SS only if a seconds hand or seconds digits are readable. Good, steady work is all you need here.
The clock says 2:25
